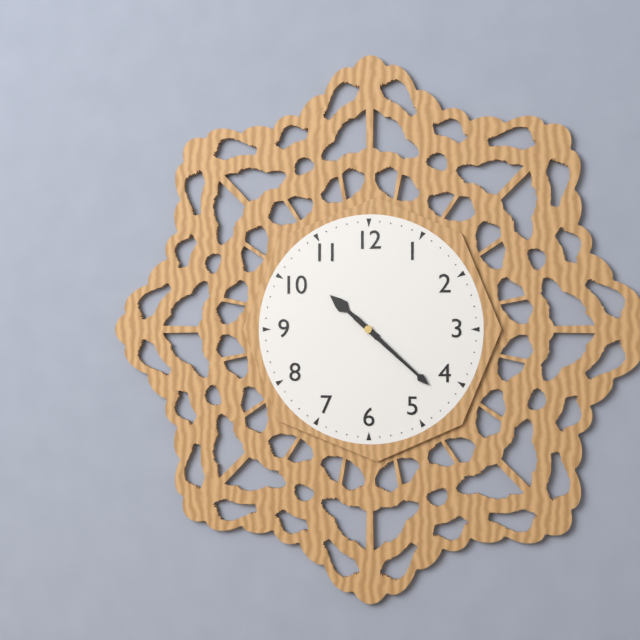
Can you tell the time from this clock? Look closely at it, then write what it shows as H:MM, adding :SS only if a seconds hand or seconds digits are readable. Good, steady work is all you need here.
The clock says 10:22
